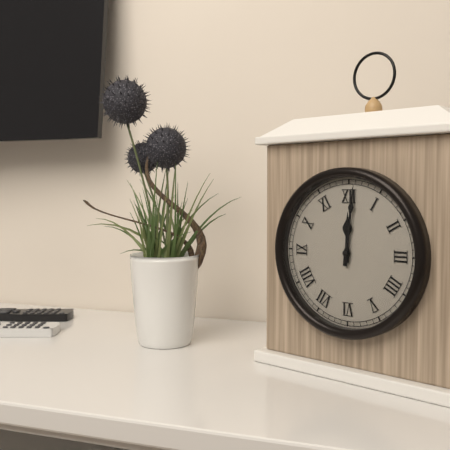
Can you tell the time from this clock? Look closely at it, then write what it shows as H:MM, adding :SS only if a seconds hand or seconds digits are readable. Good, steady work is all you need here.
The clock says 12:01
